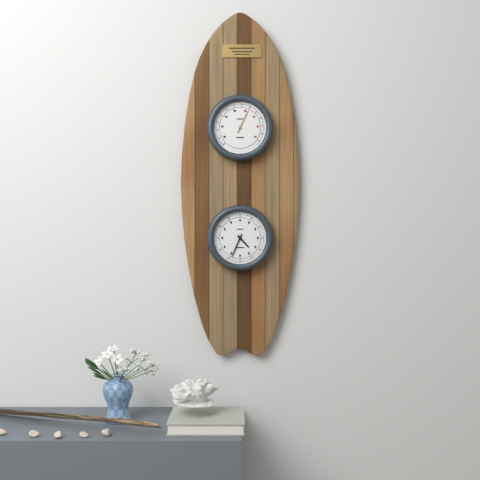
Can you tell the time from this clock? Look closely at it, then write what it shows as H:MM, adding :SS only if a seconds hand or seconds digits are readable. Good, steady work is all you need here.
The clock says 4:34
